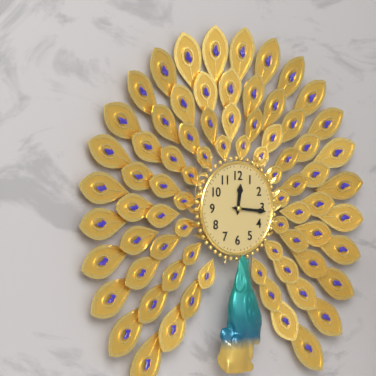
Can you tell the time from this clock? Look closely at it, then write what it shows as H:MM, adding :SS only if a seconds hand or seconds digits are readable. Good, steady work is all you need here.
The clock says 12:16
